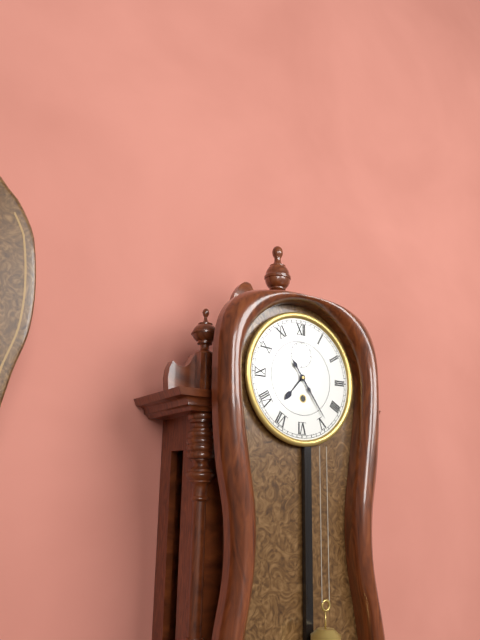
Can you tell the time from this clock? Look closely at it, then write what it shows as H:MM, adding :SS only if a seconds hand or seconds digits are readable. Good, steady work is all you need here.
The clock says 7:24
